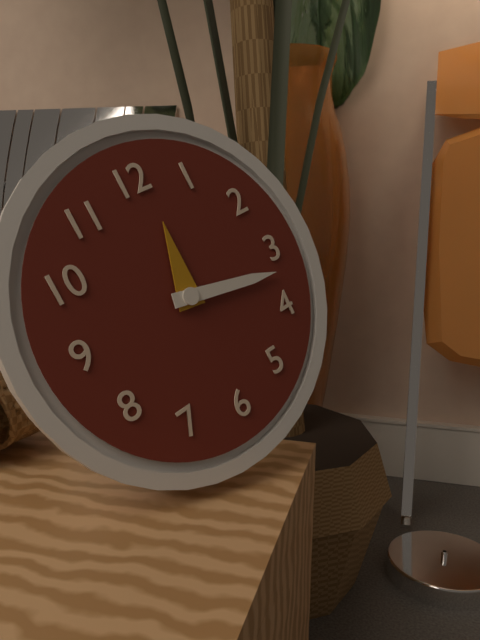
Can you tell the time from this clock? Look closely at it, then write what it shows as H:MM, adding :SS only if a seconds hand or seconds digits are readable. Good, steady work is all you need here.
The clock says 12:17
